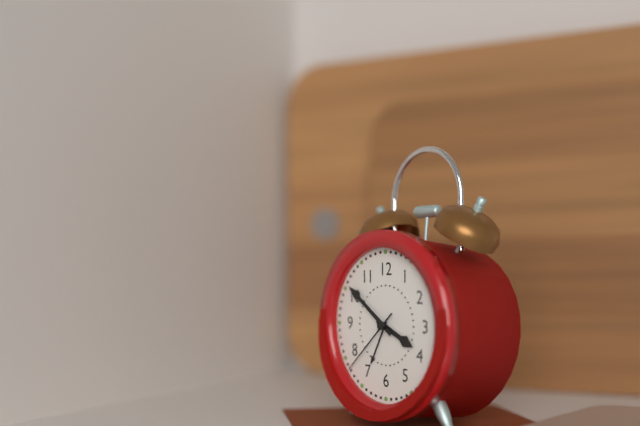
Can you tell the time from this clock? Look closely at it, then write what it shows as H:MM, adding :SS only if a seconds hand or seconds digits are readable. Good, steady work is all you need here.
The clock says 3:51:38
